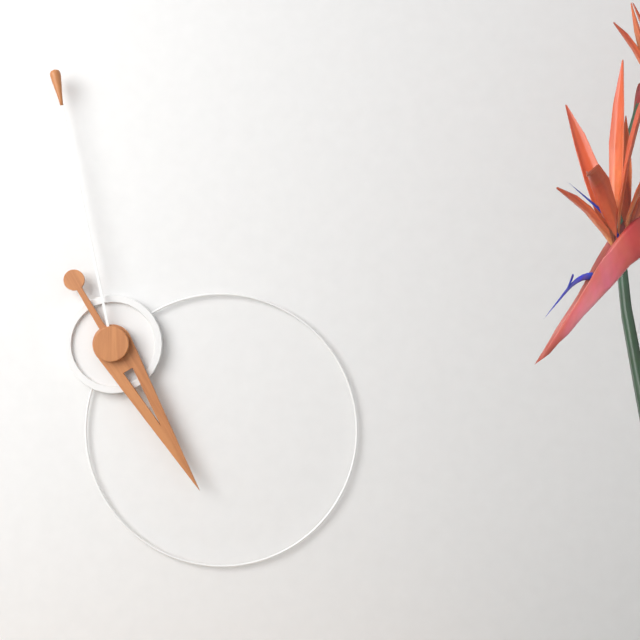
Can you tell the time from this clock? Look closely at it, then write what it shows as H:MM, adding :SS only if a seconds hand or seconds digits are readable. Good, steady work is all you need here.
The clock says 4:58
